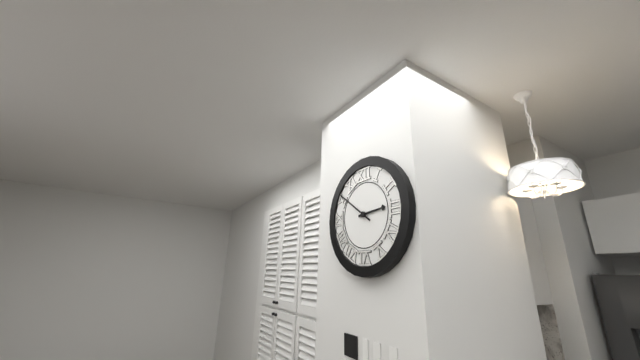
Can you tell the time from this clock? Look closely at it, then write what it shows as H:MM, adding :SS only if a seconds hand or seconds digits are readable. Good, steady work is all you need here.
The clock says 2:51
